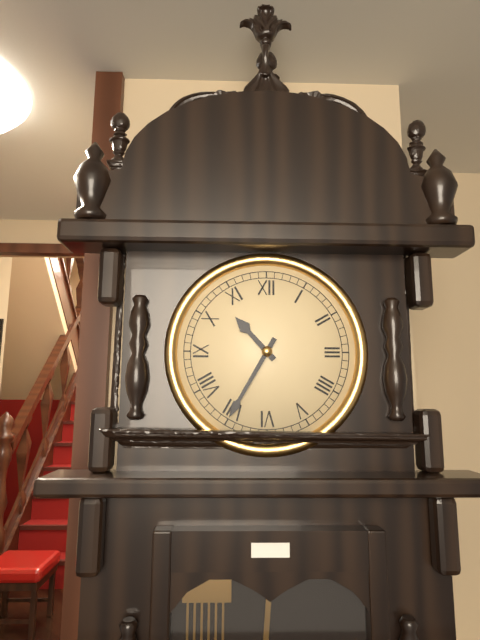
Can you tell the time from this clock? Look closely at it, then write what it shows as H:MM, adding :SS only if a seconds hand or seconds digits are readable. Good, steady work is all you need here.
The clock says 10:35
